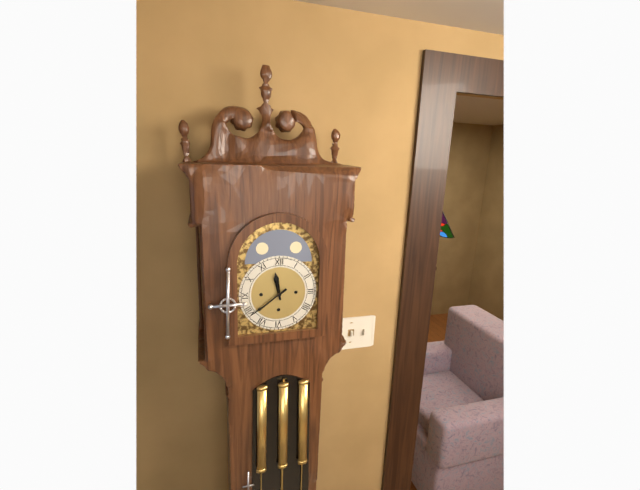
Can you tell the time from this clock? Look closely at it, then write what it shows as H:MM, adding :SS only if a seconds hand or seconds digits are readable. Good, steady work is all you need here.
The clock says 11:39
